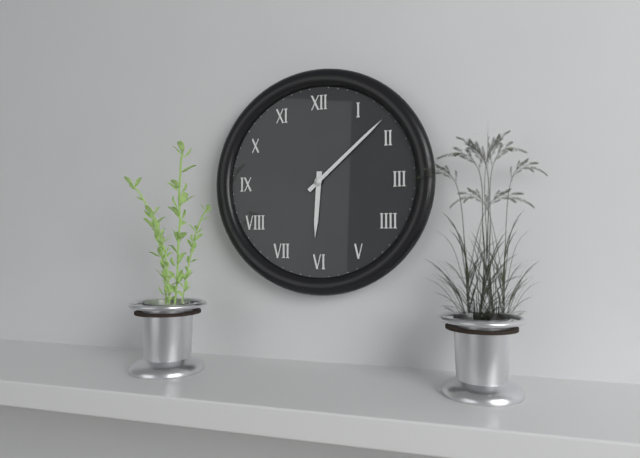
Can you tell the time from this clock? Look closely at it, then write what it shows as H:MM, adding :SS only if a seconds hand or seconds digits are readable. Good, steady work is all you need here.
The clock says 6:08
